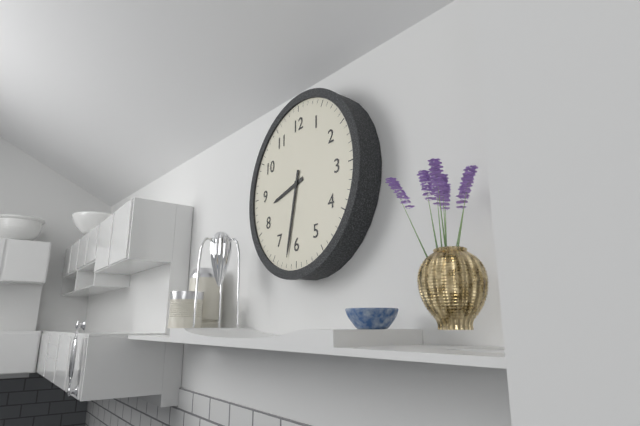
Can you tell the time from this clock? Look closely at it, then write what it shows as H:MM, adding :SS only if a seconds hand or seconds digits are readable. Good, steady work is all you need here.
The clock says 8:32
